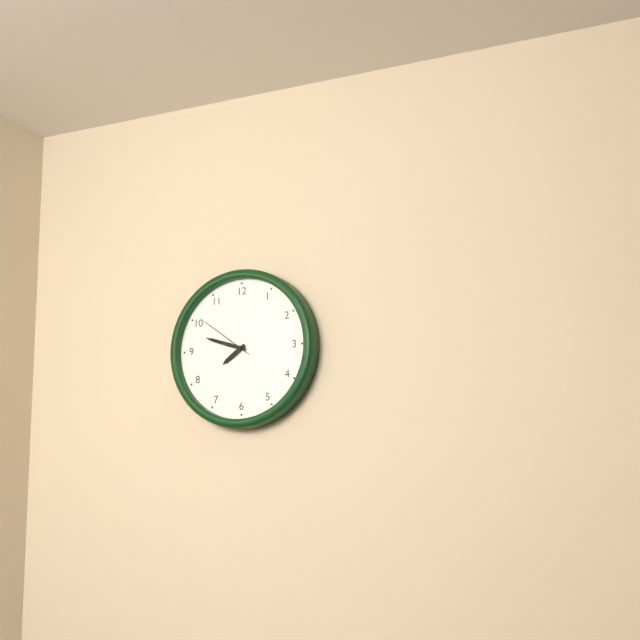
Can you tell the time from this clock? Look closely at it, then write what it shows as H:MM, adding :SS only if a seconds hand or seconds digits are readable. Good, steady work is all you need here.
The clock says 7:48:51
